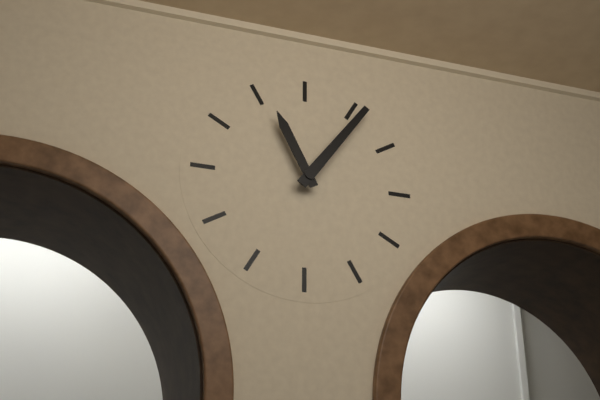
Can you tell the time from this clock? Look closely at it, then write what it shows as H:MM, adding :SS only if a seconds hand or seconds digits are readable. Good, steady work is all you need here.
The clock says 11:06
